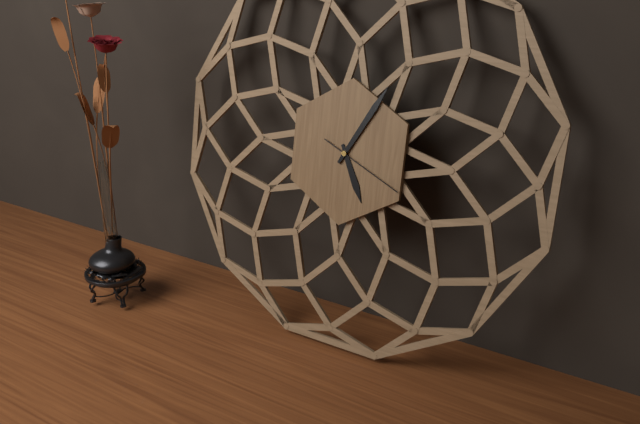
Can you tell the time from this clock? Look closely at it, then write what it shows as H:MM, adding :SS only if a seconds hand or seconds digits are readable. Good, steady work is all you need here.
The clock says 5:05:19
